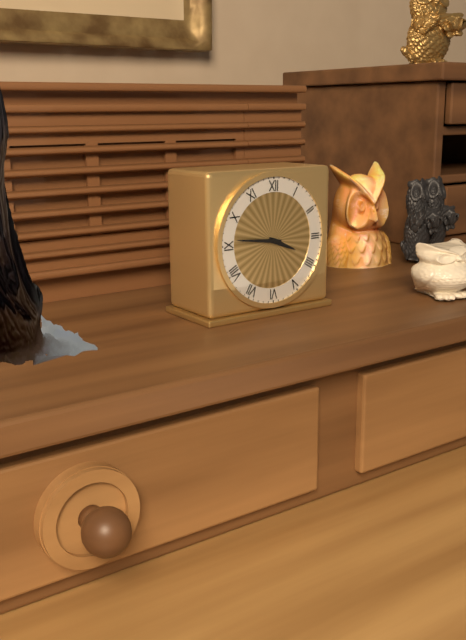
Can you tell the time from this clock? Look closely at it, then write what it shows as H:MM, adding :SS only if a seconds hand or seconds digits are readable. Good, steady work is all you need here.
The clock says 3:46
